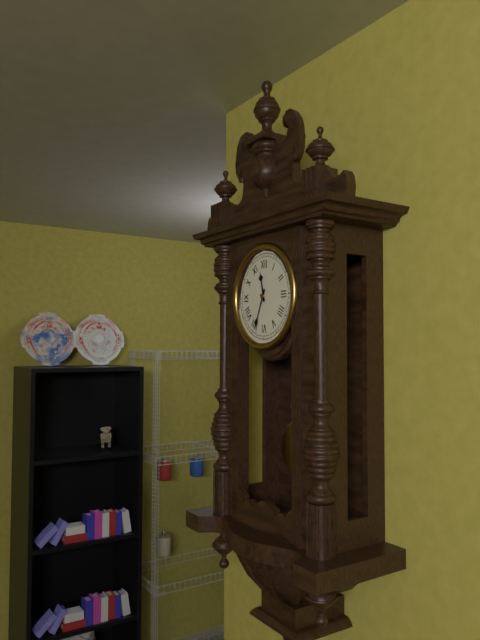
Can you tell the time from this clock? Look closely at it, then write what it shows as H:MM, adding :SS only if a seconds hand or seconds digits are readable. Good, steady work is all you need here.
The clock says 11:34
